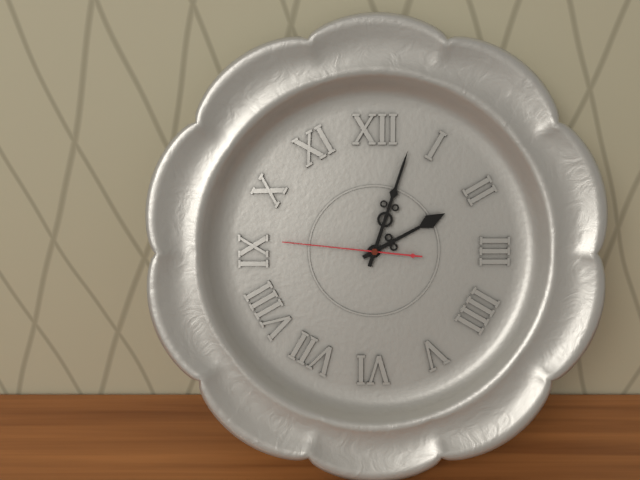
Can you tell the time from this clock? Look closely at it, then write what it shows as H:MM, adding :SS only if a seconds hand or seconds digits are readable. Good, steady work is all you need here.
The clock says 2:03:46
